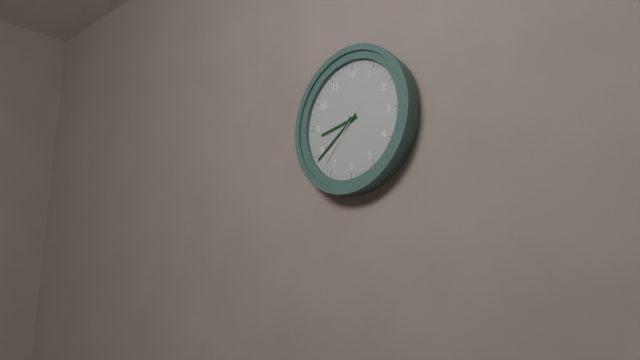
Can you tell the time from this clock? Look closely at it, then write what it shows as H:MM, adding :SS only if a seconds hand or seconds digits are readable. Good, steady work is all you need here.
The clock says 8:39:37
